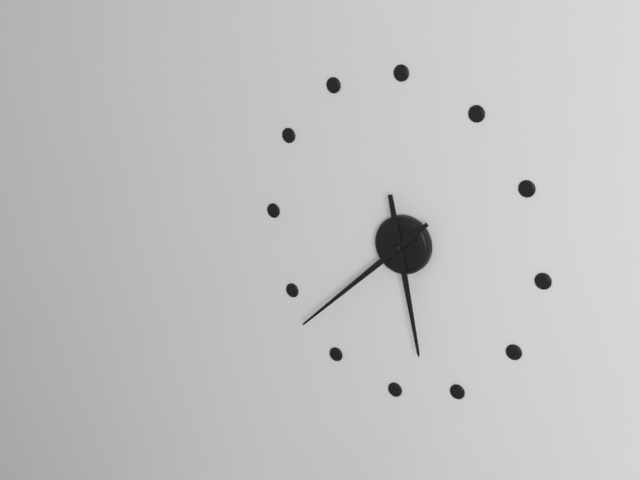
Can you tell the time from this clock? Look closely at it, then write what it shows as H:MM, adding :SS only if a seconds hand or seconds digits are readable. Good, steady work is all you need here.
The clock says 5:38
